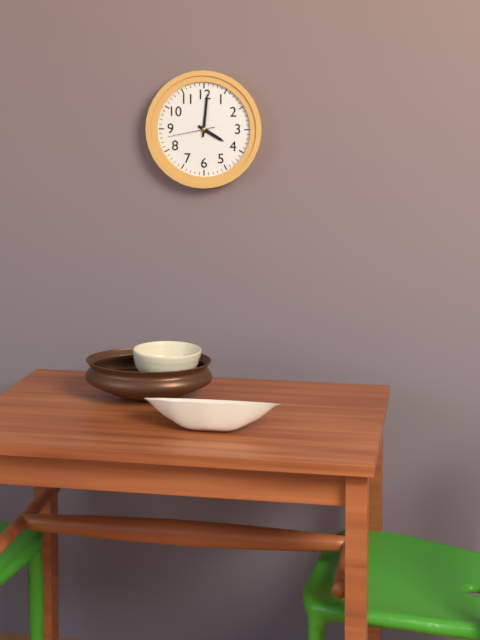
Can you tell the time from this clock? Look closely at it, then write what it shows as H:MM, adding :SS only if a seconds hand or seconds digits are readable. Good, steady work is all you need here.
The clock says 4:01
